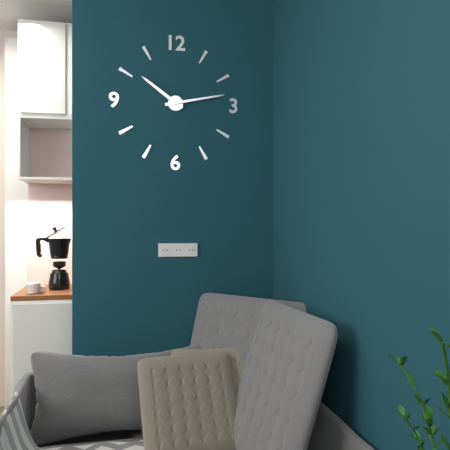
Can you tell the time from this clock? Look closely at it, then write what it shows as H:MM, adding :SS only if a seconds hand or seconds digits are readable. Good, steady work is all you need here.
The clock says 10:13
